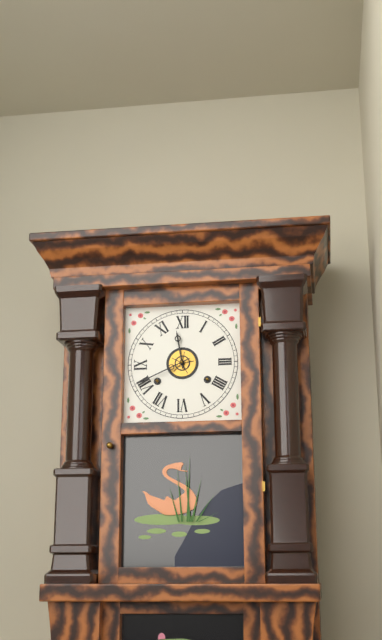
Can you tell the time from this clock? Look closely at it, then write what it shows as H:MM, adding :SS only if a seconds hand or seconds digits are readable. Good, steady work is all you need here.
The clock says 11:41
